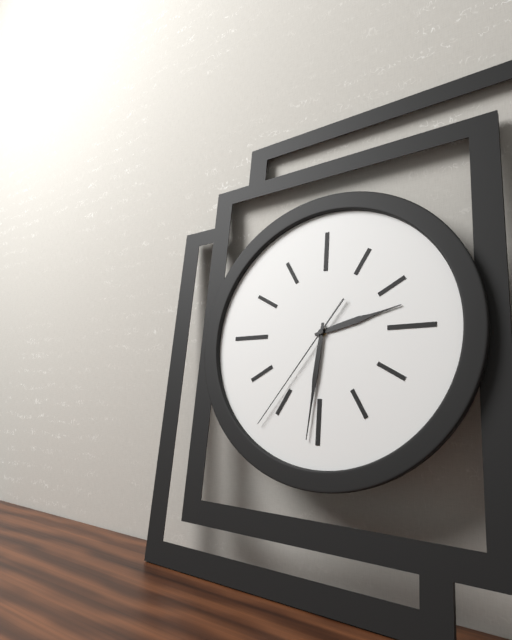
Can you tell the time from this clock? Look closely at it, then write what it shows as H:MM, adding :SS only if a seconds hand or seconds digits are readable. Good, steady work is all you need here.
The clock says 2:31:36
